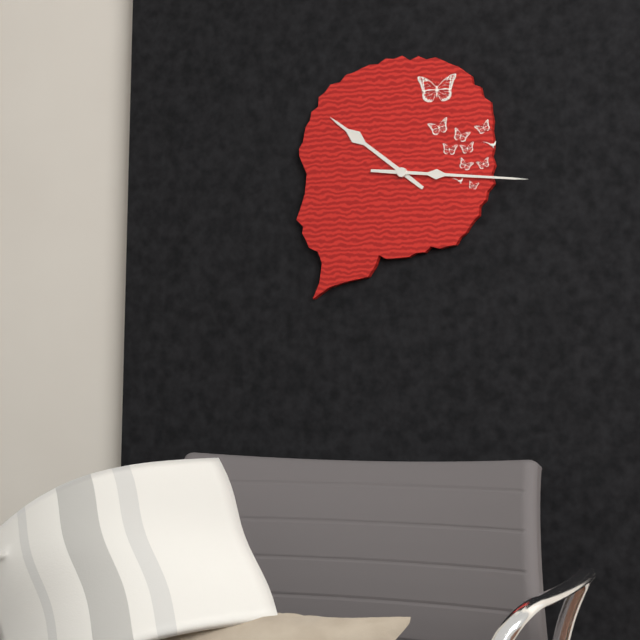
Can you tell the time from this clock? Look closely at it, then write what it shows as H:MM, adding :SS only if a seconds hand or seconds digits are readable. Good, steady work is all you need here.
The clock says 10:16
